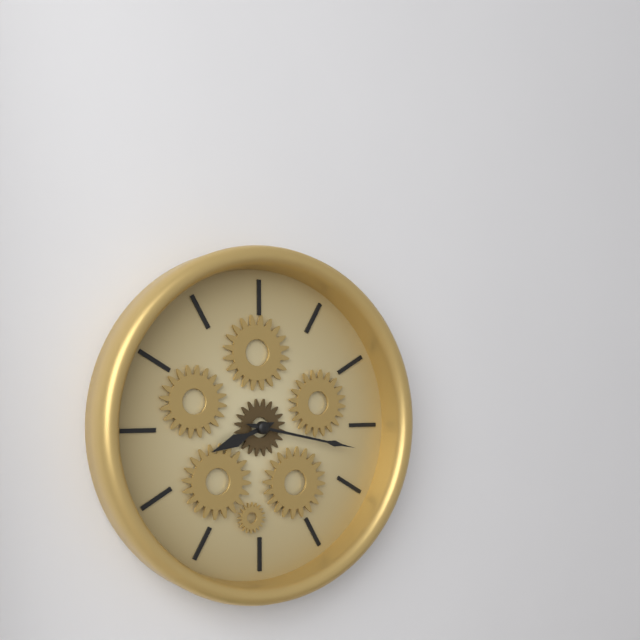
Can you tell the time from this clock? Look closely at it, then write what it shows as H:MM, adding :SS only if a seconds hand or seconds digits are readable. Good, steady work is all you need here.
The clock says 8:17
